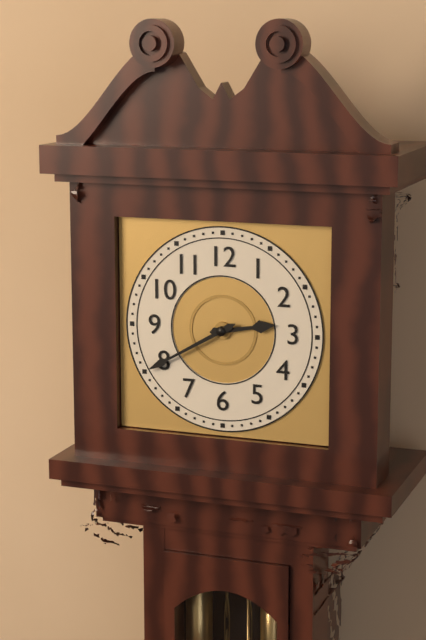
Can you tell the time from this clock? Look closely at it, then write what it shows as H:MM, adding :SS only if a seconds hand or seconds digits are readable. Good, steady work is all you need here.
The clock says 2:40
